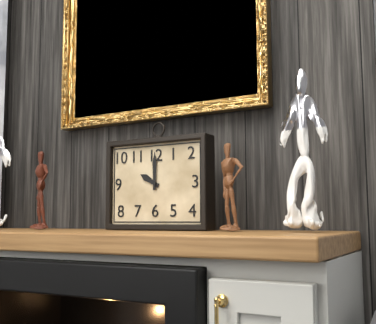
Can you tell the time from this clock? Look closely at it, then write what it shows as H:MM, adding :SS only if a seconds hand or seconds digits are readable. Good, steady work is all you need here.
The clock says 10:00
